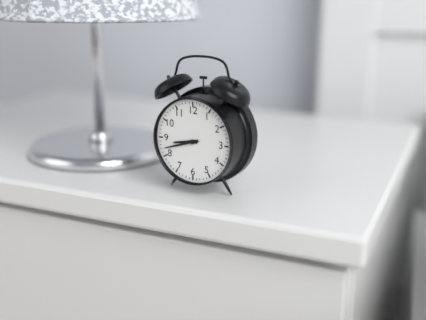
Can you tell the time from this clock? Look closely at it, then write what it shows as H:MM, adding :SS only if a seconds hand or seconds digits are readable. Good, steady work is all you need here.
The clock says 8:42
